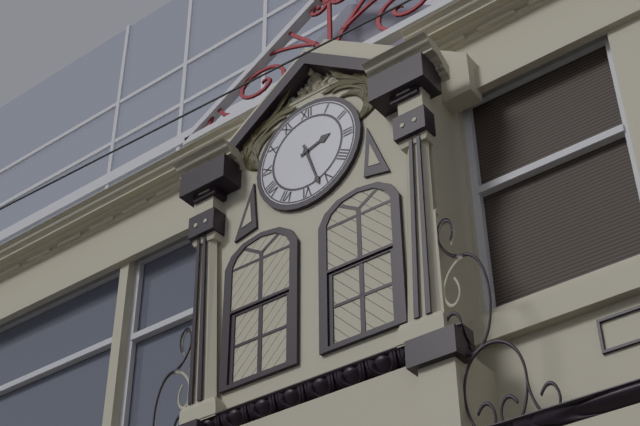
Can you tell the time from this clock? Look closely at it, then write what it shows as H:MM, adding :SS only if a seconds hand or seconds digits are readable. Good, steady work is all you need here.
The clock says 2:27
